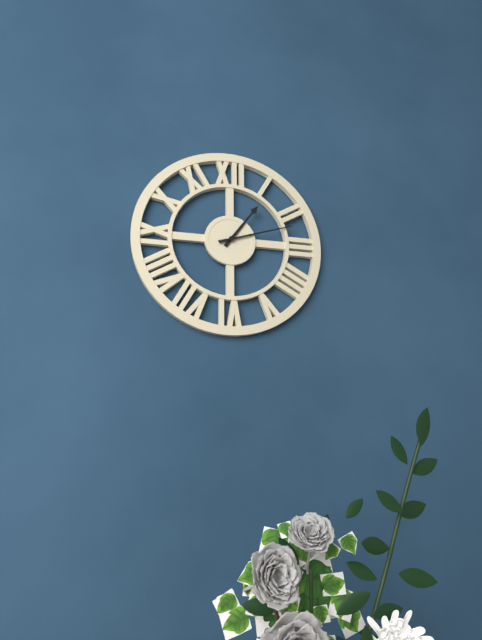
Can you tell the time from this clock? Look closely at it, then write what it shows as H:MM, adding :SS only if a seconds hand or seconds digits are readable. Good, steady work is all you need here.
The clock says 1:12
